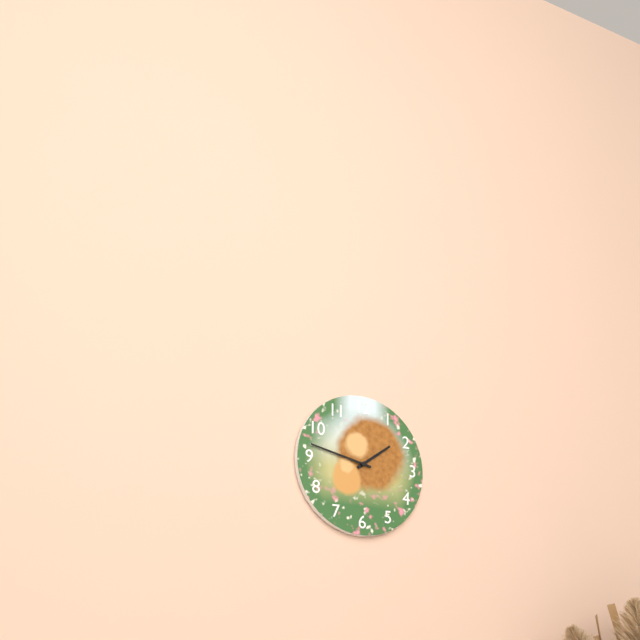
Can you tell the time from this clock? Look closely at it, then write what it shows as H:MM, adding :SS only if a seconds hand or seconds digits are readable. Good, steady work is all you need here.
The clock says 1:47
